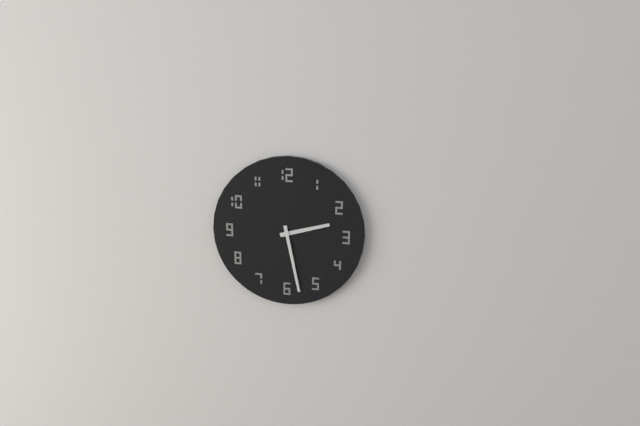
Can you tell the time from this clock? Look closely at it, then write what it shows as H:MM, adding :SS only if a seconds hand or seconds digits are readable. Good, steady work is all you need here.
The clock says 2:28
